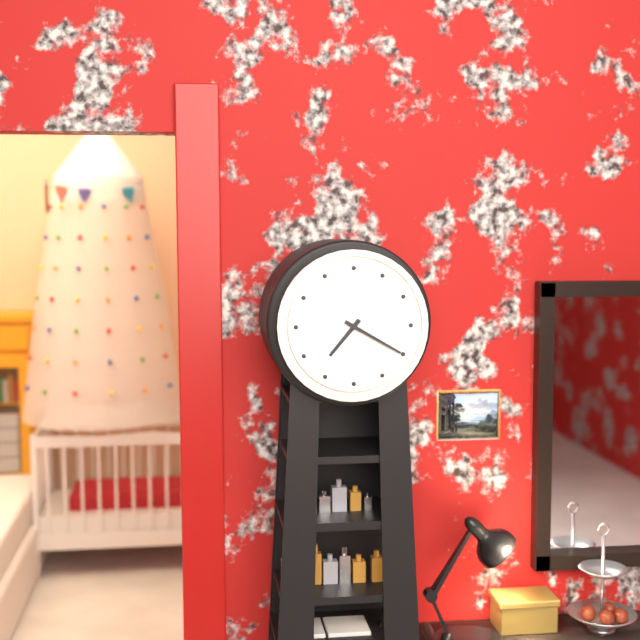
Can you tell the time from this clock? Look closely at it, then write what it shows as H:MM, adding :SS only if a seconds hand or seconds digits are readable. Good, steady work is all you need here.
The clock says 7:20
